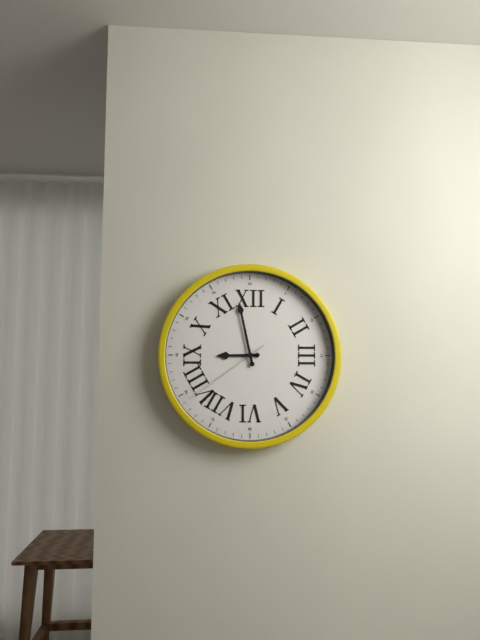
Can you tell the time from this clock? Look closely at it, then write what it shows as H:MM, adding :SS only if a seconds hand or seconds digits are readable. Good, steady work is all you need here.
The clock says 8:58:39
